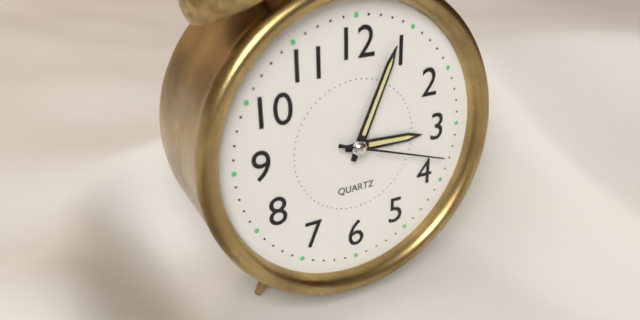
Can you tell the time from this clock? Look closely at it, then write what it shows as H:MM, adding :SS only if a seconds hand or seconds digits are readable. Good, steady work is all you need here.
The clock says 3:04:18
